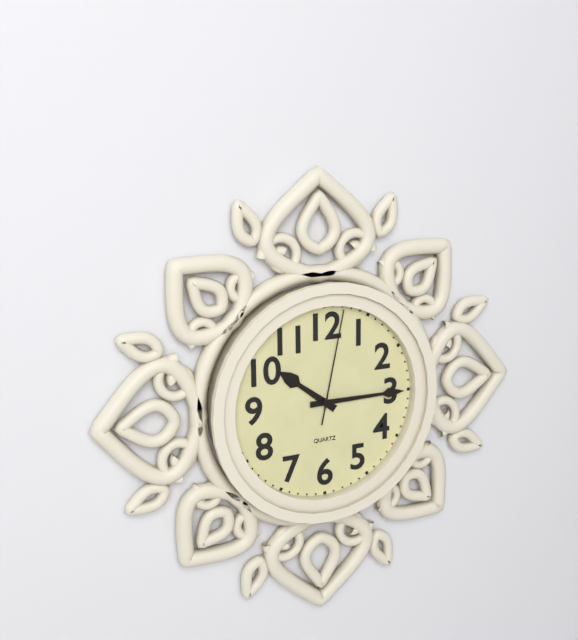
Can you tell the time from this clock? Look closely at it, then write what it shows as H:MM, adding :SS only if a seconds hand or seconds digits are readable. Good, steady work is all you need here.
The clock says 10:15:02
